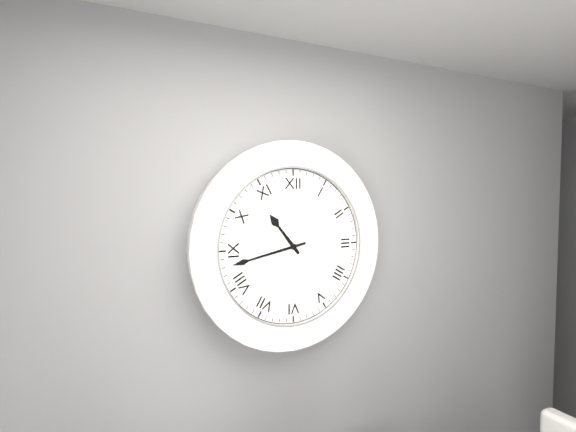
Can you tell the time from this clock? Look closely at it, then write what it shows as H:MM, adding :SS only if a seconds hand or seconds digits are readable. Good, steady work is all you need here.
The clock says 10:43
